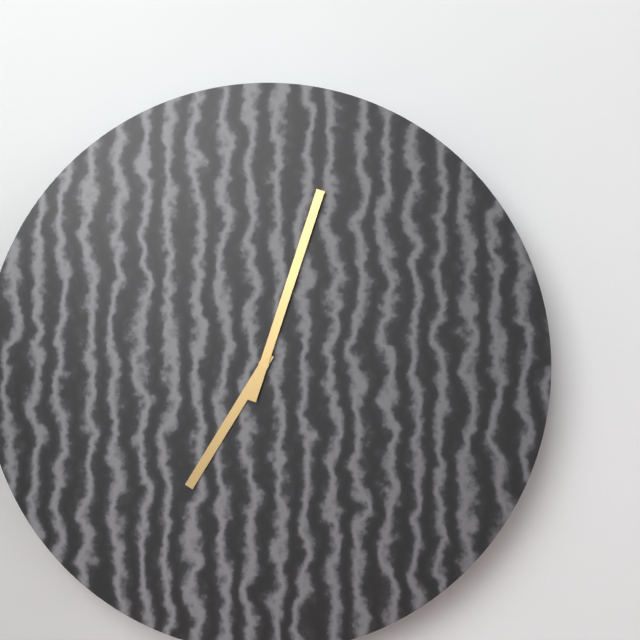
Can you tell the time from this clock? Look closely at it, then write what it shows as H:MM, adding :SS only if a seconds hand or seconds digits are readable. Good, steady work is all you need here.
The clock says 7:03
